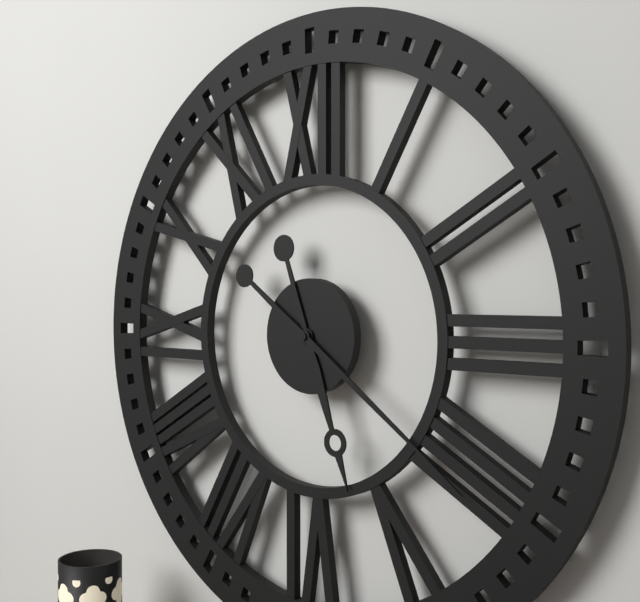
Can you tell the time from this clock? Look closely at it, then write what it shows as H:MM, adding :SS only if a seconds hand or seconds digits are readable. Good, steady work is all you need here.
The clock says 5:21
